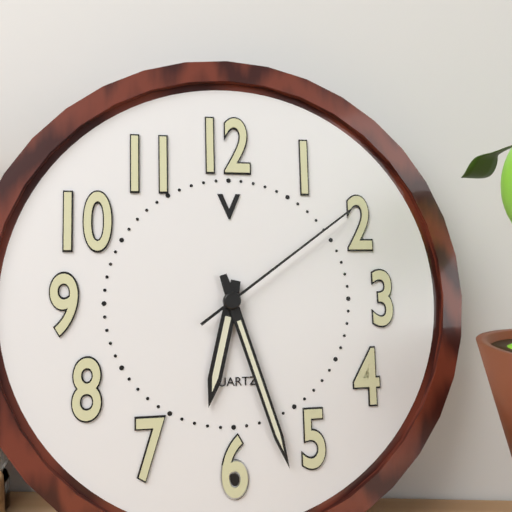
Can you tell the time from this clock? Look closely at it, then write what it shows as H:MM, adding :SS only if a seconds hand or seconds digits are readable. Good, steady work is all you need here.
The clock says 6:27:09
